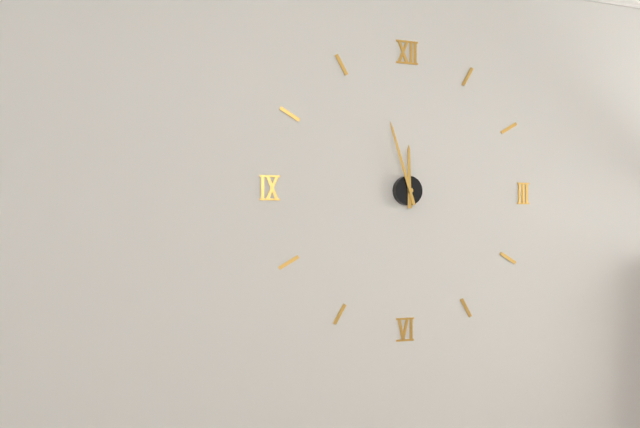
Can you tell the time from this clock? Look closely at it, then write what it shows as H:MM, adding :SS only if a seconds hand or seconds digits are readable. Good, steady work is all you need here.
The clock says 11:57
